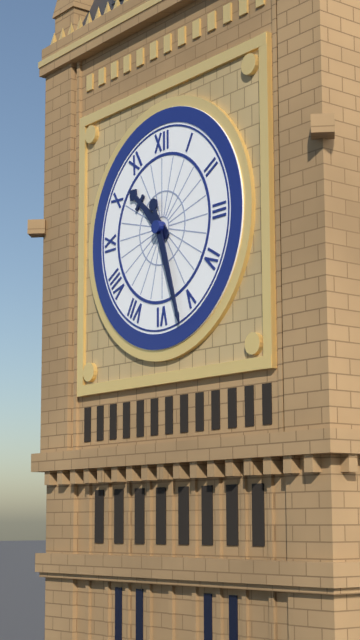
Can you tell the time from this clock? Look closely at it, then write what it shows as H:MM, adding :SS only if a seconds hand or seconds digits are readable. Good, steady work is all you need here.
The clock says 10:27
